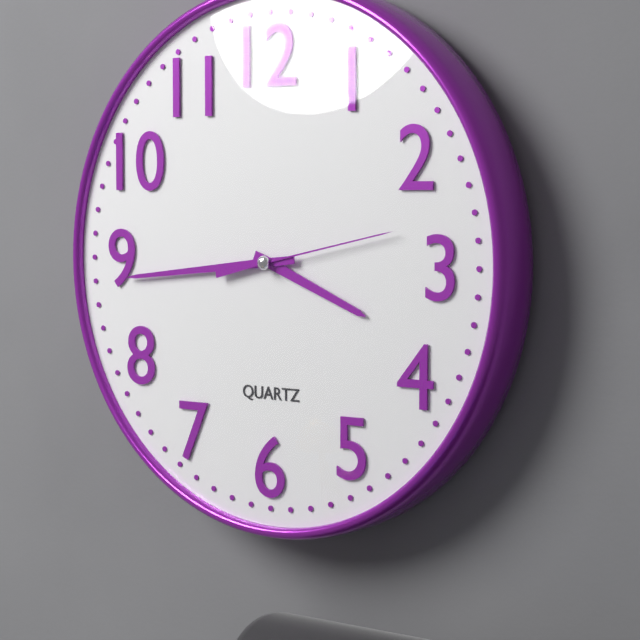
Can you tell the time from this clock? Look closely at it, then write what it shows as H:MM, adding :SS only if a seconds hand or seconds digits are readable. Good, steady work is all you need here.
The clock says 3:44:13
